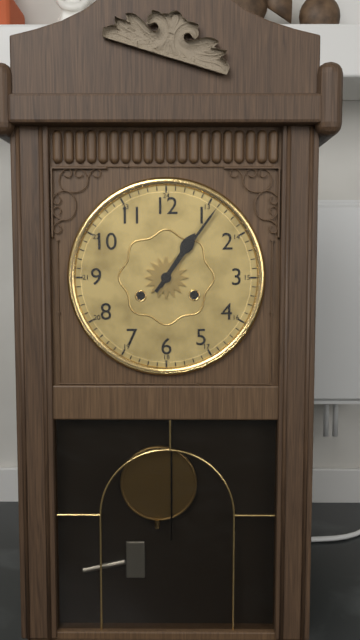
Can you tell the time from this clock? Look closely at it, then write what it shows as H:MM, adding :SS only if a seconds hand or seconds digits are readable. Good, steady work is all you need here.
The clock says 1:06
